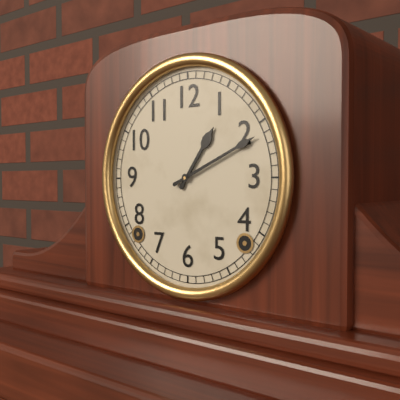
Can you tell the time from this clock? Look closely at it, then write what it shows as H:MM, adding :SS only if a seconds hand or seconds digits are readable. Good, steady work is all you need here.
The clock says 1:11
